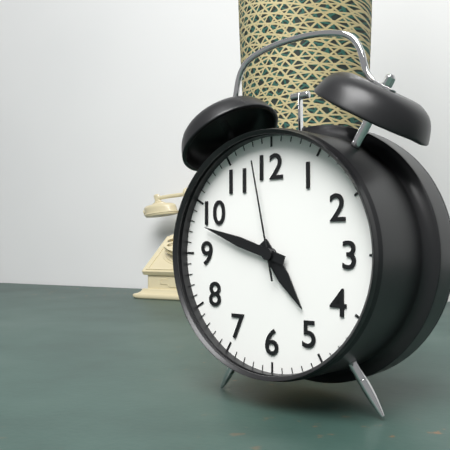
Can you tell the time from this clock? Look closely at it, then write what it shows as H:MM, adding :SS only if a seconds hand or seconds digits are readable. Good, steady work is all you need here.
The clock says 4:48:58
